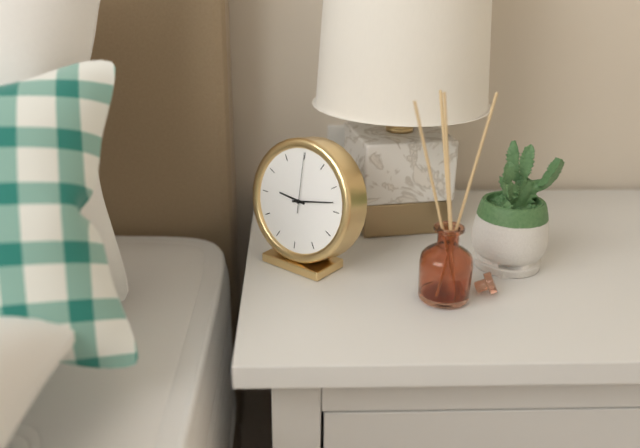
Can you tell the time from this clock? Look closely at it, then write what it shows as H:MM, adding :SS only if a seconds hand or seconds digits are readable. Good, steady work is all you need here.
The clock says 9:13:00
